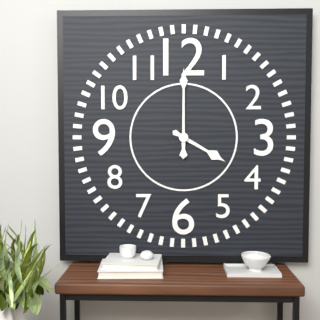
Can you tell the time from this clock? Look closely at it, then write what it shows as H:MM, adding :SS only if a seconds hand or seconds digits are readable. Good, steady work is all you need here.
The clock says 4:00
